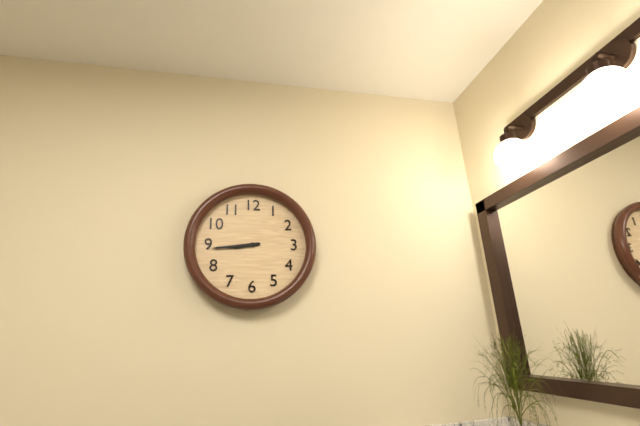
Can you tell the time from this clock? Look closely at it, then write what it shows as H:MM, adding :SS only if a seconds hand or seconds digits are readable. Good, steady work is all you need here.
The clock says 8:44
